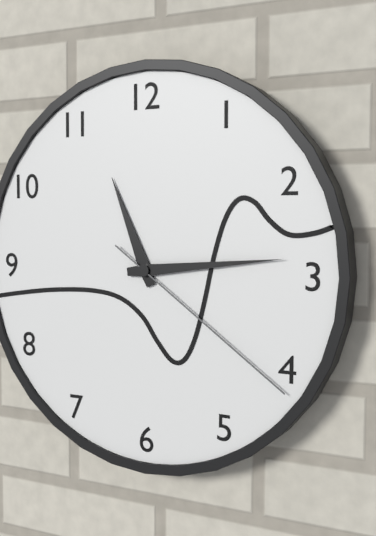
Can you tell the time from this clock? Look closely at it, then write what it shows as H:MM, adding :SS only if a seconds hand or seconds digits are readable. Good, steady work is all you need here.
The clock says 11:14:21
